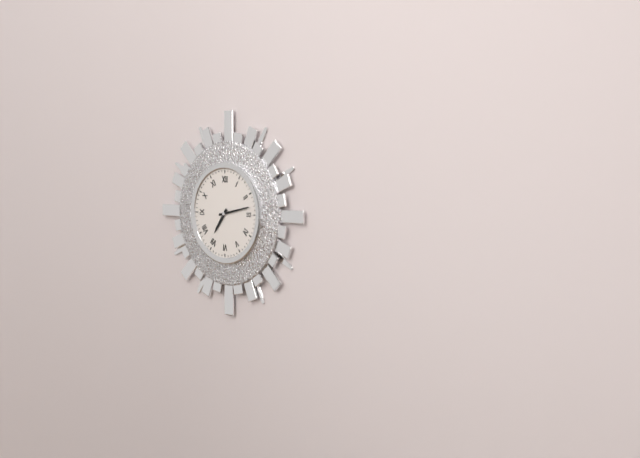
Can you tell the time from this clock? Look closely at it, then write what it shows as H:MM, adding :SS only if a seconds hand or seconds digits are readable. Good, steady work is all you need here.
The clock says 7:13
